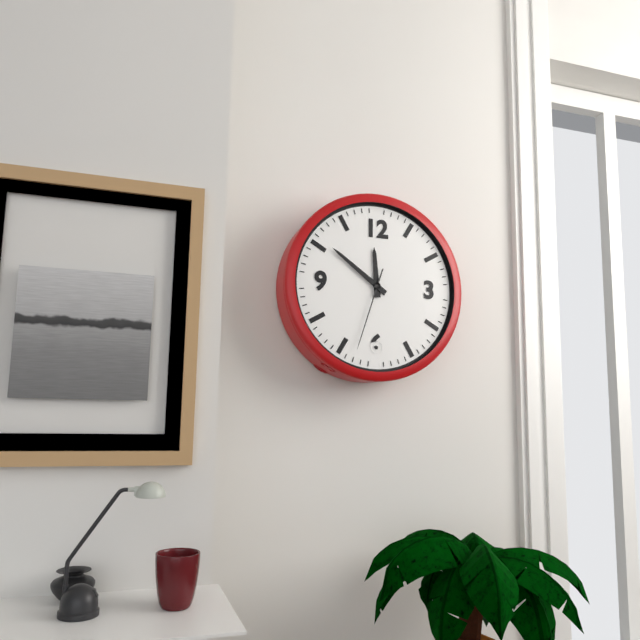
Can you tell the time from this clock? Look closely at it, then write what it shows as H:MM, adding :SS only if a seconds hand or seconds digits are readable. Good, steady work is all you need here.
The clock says 11:51:33
